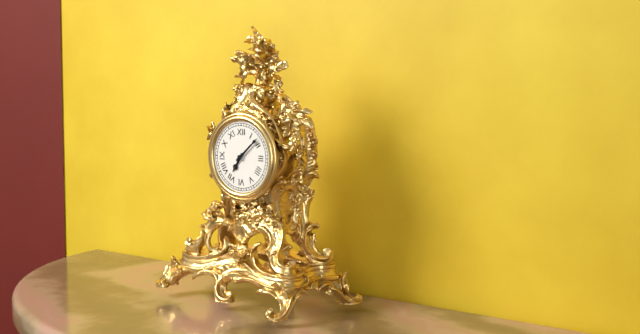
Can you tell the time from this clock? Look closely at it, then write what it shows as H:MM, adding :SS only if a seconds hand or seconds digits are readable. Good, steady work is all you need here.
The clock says 7:08
